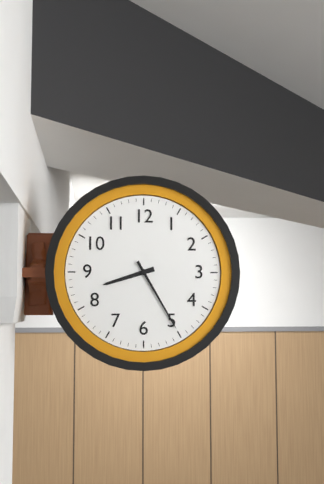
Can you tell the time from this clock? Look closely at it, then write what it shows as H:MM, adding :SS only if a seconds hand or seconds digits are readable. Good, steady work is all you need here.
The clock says 8:25
